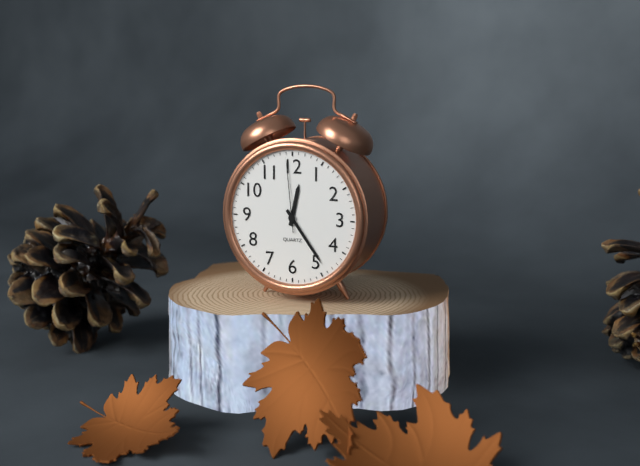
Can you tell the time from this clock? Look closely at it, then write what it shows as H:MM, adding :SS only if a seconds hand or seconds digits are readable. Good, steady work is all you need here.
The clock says 12:24:59
